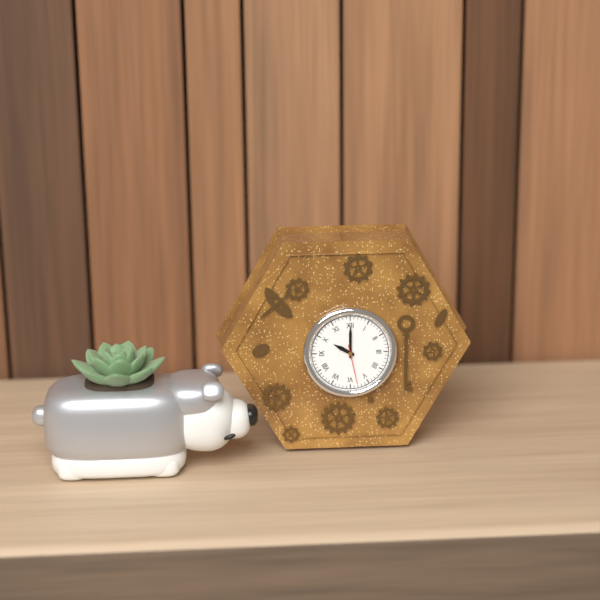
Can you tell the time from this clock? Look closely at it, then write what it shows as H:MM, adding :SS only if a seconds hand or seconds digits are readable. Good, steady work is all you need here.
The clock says 10:00
